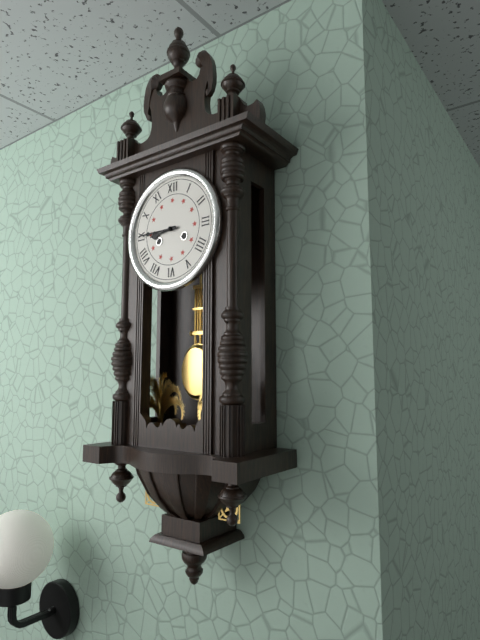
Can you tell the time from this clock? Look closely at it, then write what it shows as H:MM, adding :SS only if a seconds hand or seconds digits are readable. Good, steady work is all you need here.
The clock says 8:45
